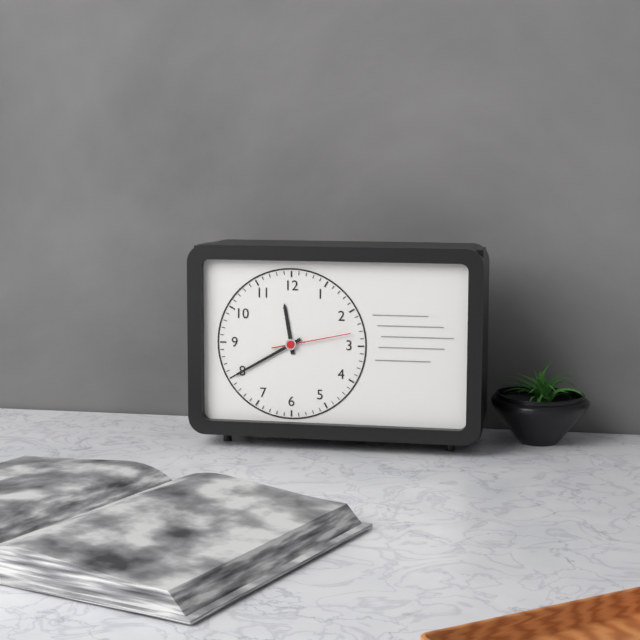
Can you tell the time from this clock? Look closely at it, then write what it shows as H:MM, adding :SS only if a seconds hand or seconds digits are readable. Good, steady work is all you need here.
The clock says 11:40:13
